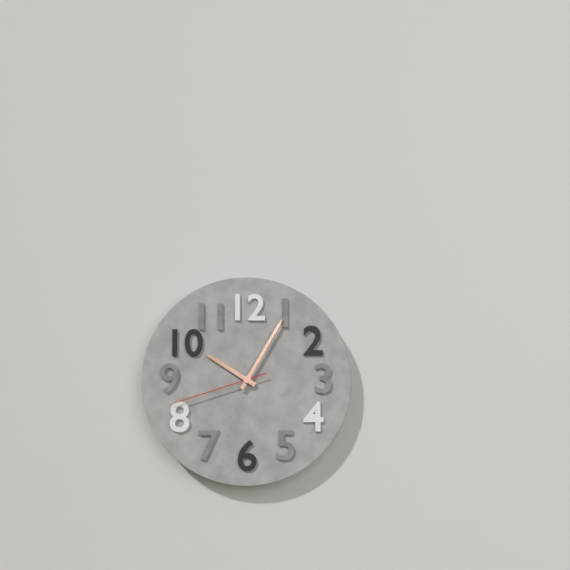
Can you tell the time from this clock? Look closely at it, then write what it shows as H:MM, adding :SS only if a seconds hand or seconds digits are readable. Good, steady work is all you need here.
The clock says 10:05:42
